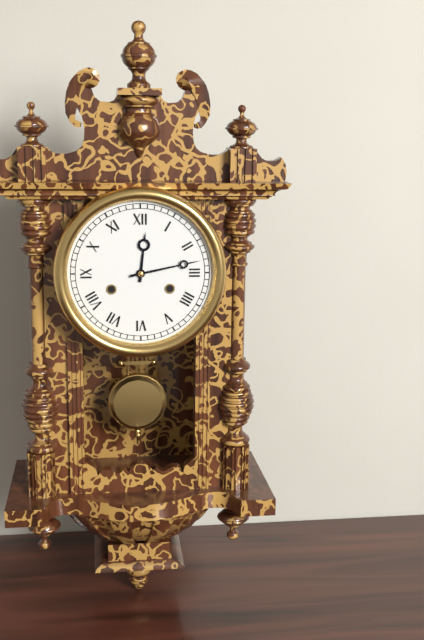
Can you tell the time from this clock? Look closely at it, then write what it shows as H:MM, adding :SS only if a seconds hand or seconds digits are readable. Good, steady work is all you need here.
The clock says 12:13
